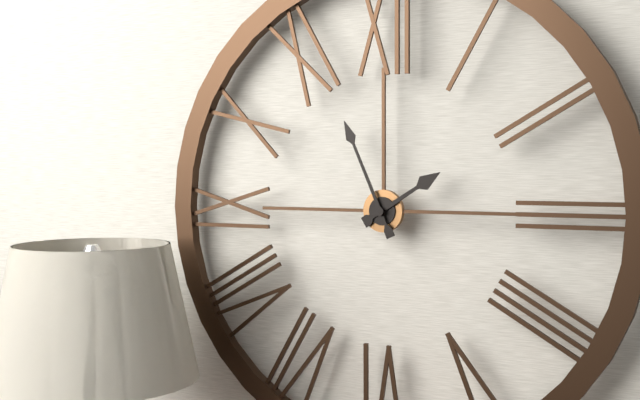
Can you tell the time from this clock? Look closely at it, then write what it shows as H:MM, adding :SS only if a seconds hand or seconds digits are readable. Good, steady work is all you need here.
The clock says 1:56
